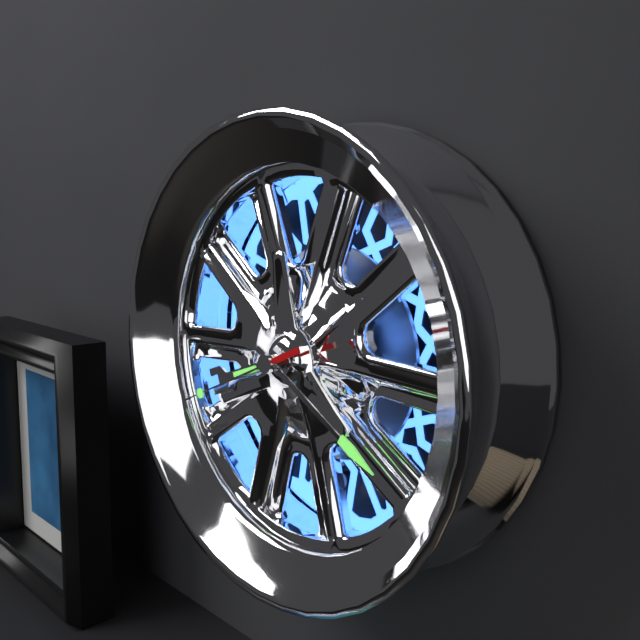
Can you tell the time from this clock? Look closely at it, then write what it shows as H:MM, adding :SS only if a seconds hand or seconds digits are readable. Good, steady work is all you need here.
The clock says 8:20:41
